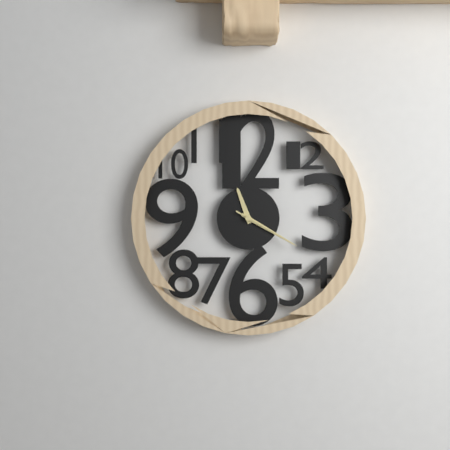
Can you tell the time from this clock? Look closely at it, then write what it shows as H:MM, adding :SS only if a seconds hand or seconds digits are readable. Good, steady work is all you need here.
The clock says 11:20:20
